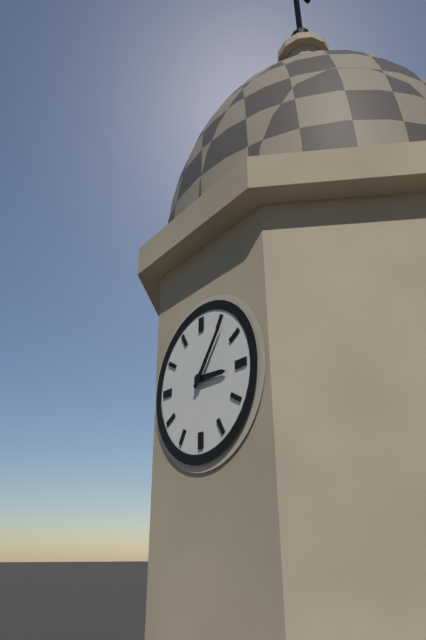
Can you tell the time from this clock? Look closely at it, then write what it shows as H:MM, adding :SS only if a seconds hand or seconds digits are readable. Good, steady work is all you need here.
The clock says 3:06
